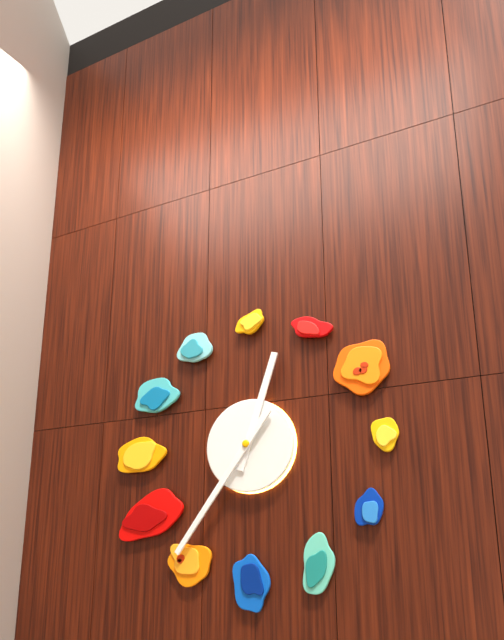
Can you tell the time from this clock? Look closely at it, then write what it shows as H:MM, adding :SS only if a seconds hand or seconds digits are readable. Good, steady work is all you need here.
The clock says 12:36
